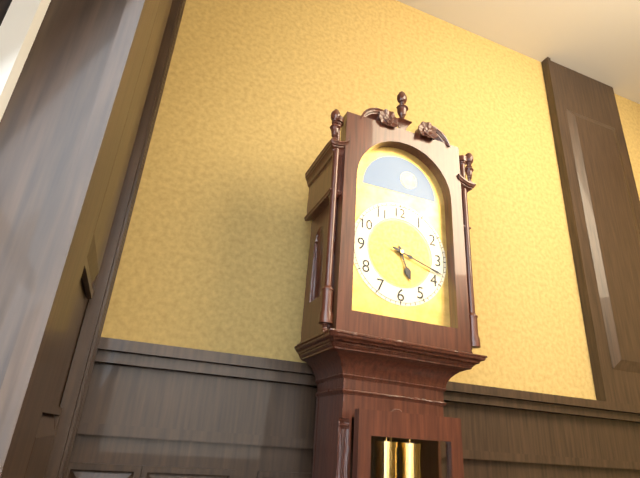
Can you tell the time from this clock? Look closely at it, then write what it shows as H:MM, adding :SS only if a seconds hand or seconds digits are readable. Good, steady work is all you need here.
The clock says 5:18
